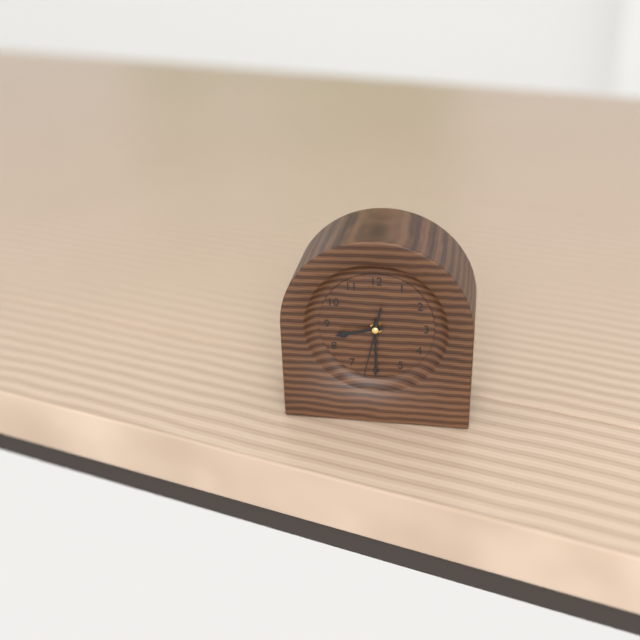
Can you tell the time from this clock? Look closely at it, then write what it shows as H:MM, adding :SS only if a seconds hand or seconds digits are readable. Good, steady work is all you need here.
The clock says 8:30:32
